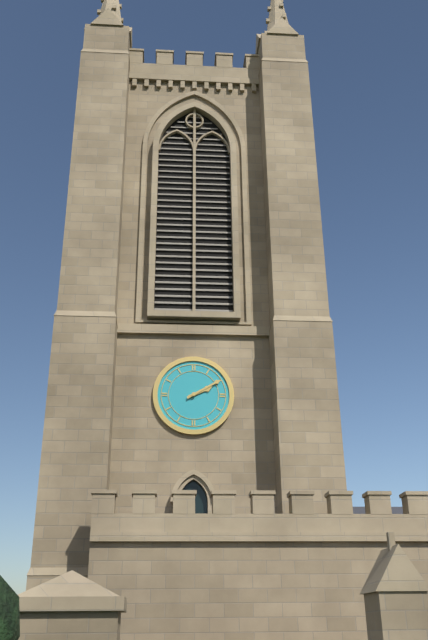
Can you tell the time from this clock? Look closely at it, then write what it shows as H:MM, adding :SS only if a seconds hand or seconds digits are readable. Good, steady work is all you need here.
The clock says 2:10
